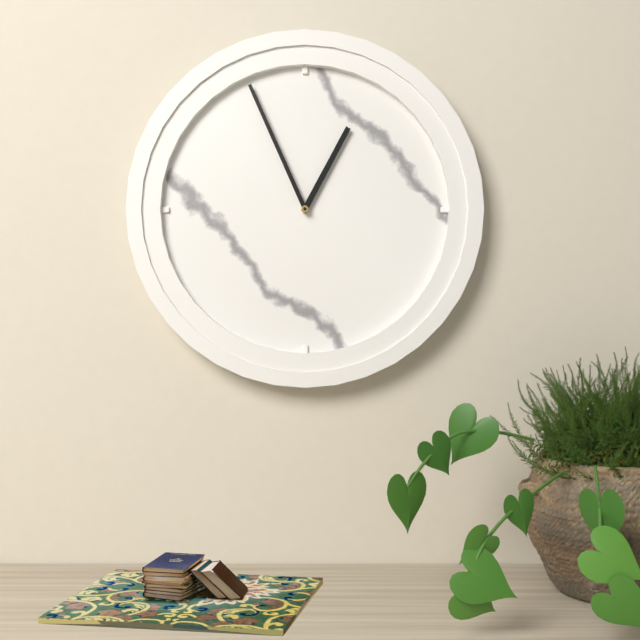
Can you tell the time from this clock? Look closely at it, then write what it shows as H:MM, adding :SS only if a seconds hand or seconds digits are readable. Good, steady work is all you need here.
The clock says 12:56
